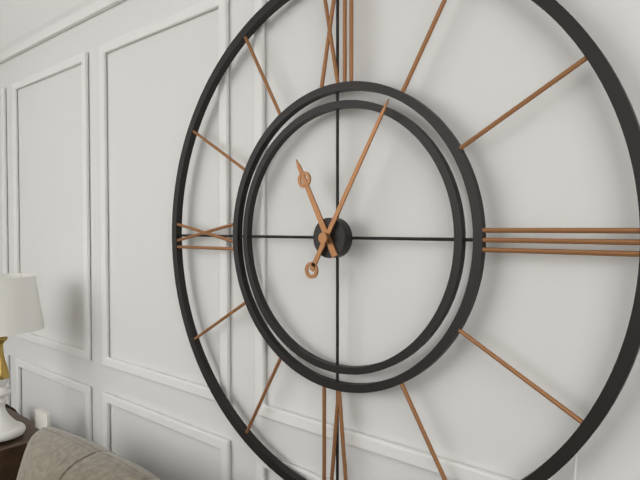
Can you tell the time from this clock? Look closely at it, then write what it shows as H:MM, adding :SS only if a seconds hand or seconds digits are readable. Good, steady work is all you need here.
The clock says 11:05
